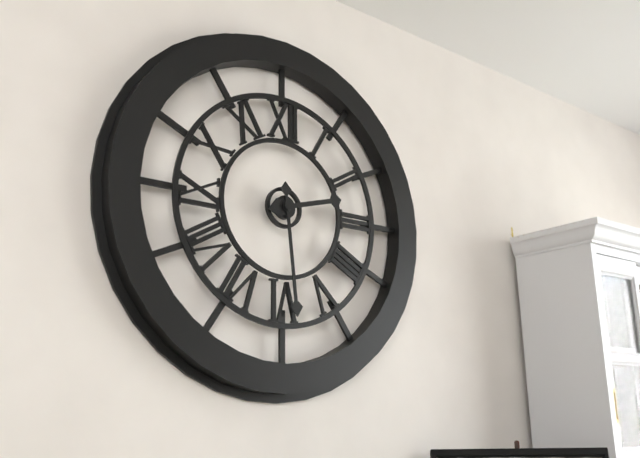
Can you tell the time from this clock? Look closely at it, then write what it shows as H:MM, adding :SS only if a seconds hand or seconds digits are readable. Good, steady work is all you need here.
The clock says 2:29
